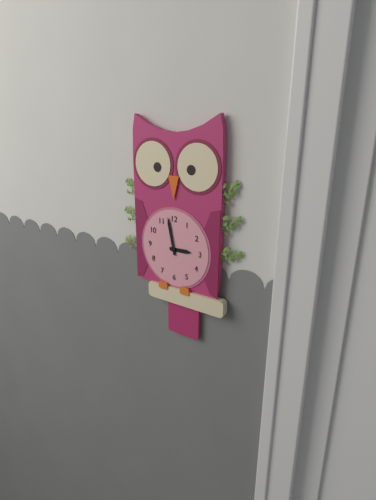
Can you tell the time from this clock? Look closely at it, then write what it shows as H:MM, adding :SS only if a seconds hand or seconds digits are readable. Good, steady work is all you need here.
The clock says 2:58
